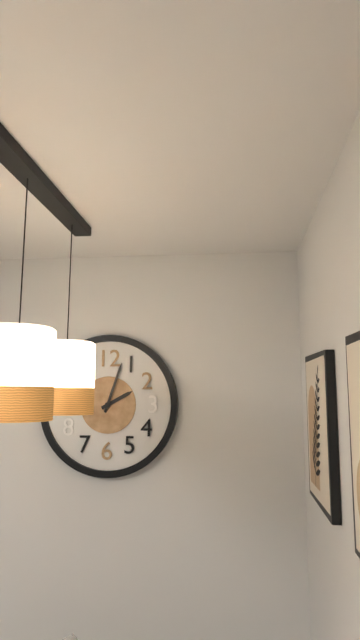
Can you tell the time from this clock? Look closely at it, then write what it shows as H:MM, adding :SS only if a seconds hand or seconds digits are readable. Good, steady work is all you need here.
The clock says 2:03
